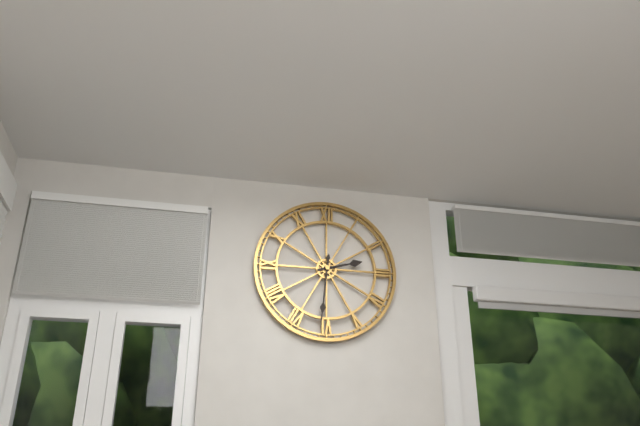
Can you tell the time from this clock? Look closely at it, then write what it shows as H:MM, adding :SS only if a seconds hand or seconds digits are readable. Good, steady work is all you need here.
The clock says 2:31
